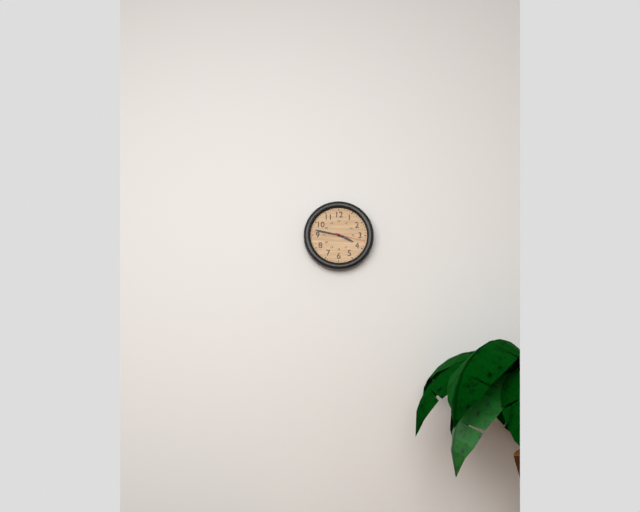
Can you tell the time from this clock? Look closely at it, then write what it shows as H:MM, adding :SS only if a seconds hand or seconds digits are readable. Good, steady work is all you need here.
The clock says 3:47
